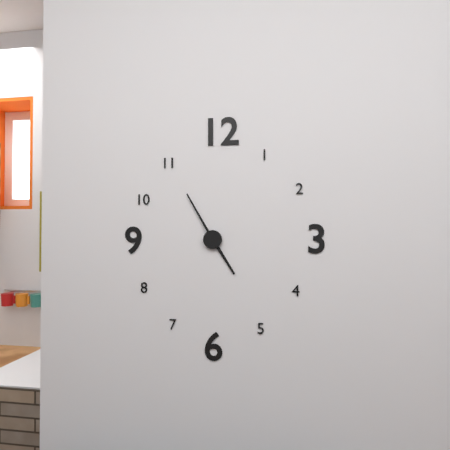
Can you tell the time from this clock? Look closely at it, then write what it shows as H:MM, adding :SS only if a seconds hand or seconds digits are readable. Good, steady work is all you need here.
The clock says 4:55
